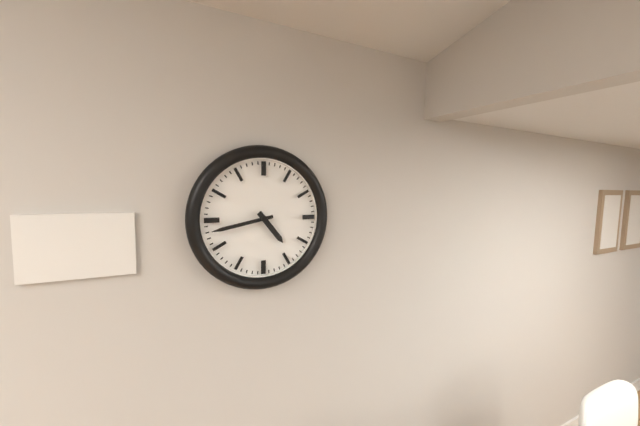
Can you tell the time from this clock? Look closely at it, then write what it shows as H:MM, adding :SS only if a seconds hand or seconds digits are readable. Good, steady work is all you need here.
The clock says 4:43
